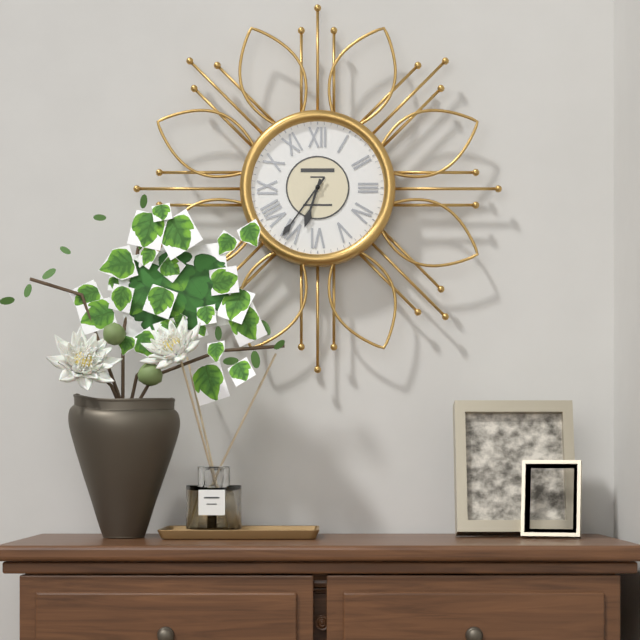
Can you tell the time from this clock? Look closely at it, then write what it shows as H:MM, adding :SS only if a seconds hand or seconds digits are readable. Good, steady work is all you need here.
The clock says 6:36
